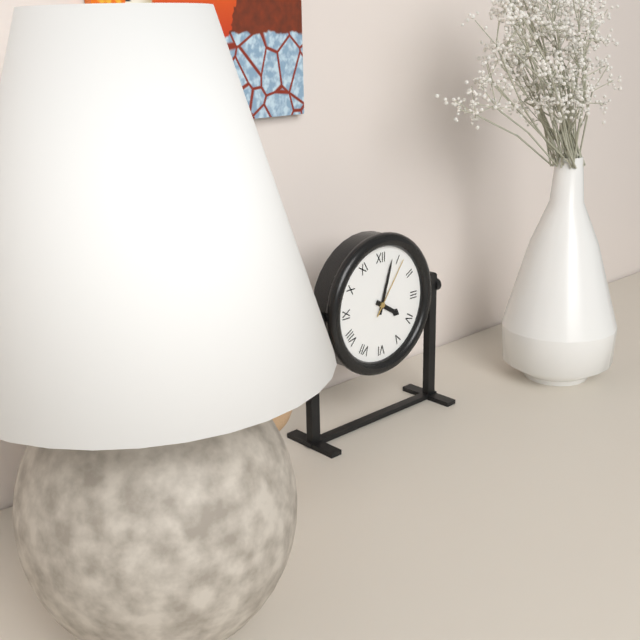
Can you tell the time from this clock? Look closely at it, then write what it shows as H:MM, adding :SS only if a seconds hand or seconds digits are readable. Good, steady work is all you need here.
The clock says 4:03:06
